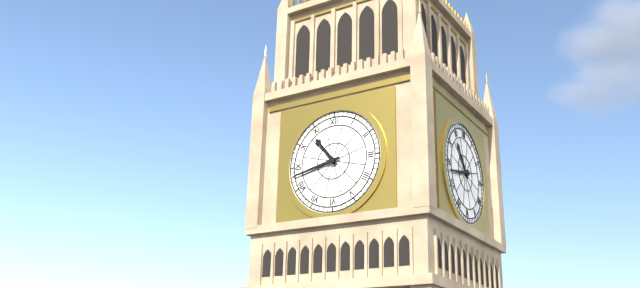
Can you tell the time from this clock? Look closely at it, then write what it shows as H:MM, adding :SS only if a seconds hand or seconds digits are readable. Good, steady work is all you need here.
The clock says 10:43
